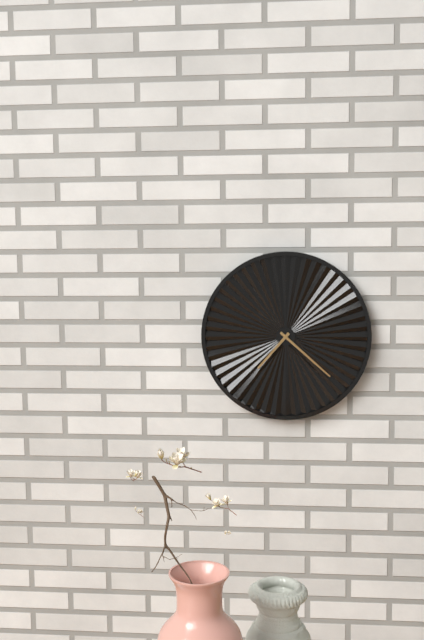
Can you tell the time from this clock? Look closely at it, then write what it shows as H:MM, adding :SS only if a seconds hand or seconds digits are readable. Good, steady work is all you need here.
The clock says 7:22
